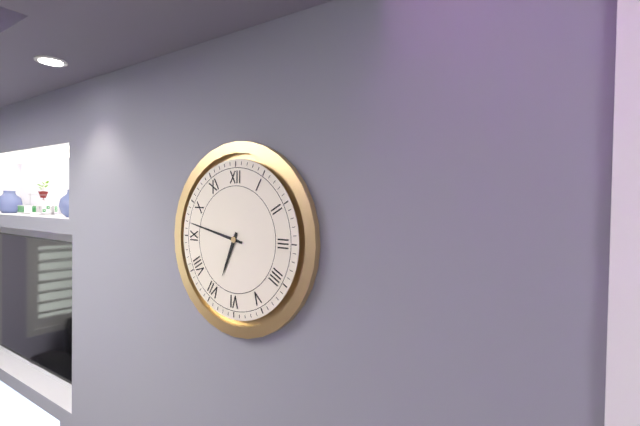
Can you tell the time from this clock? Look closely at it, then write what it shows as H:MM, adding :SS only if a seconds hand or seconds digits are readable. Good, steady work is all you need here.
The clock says 6:47
